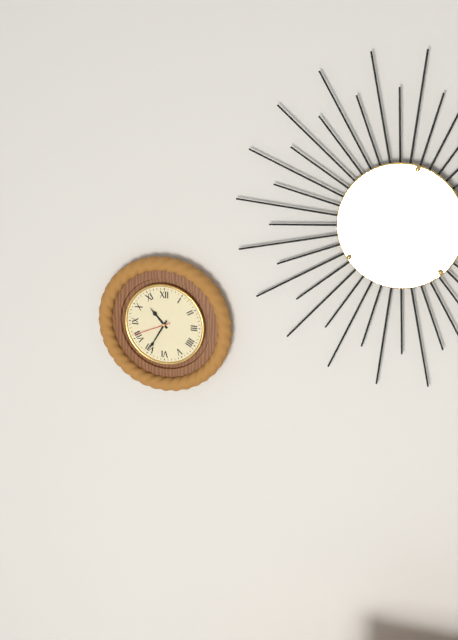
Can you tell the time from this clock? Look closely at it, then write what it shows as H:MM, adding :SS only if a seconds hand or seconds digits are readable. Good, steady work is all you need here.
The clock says 10:35
